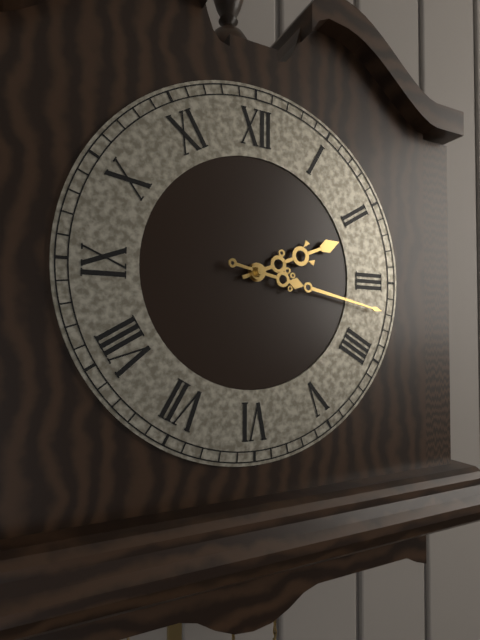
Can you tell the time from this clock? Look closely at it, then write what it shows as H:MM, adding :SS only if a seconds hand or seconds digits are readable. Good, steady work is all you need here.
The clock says 2:17
